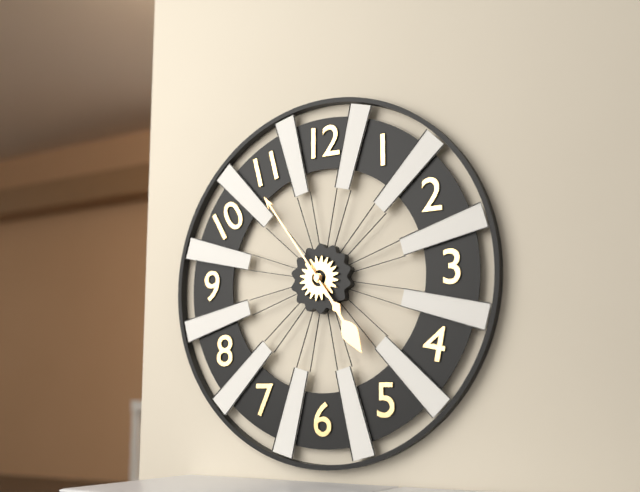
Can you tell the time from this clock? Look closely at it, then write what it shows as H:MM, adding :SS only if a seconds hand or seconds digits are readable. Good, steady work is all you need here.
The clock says 4:54
